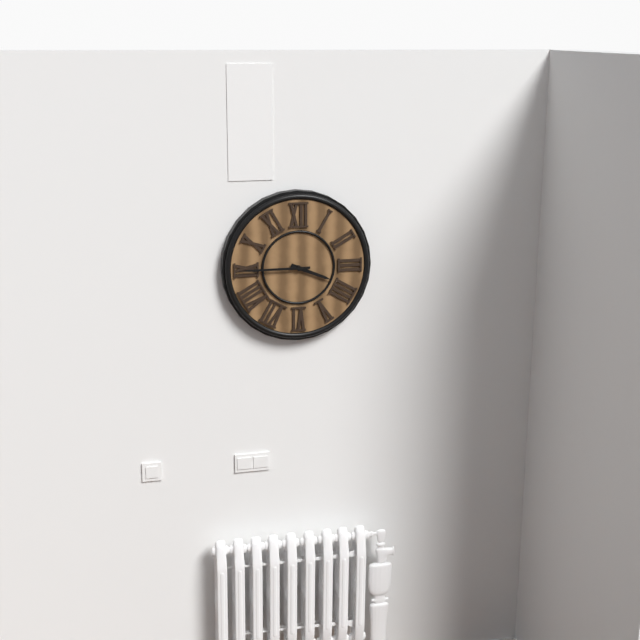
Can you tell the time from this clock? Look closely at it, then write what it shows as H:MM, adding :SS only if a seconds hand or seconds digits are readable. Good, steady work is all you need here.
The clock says 3:45
